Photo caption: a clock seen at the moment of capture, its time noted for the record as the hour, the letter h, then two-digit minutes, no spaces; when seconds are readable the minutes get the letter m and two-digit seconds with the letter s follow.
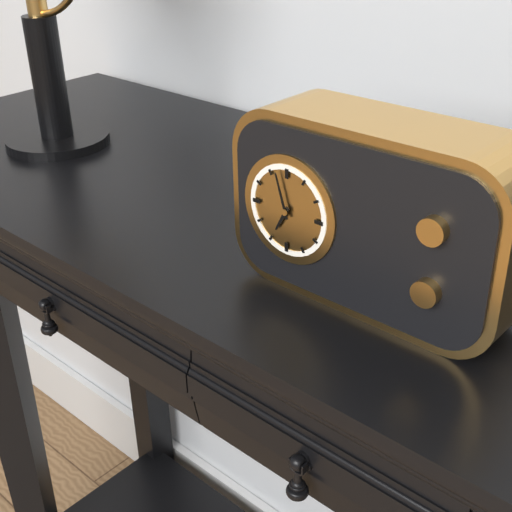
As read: 6h57
